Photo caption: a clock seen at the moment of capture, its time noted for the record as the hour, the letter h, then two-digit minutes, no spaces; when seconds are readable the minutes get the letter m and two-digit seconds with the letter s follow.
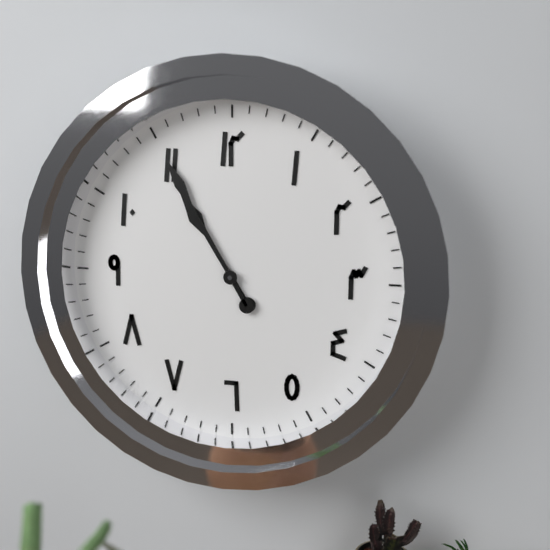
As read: 10h55
